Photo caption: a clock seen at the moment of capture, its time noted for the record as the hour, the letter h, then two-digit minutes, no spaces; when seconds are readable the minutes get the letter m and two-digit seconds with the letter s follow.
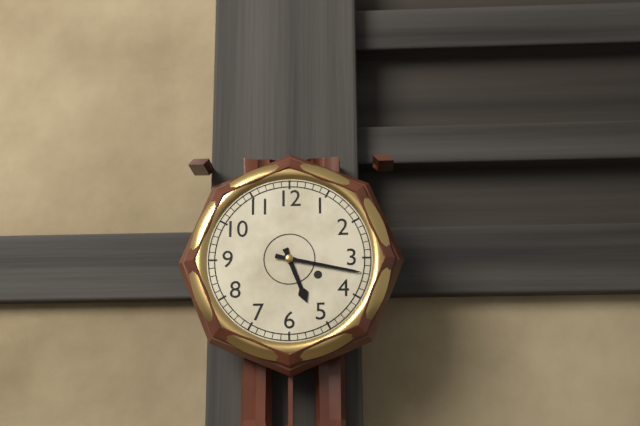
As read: 5h17
